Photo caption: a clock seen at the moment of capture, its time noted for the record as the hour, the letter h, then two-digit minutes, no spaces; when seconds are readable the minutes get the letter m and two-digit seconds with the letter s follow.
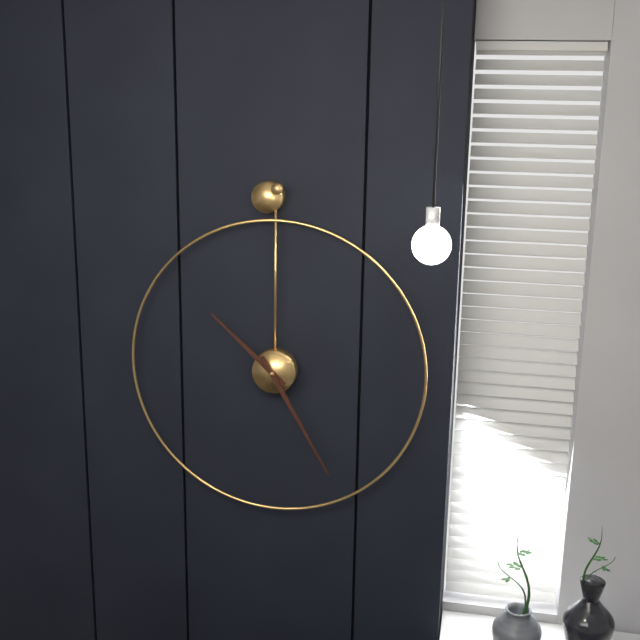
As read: 10h25
